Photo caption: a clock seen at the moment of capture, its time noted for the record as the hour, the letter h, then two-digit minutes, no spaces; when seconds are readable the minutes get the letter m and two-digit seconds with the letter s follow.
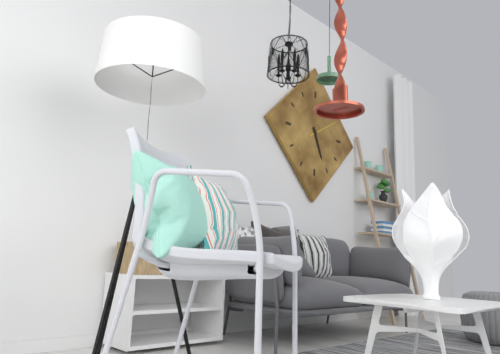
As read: 5h10
